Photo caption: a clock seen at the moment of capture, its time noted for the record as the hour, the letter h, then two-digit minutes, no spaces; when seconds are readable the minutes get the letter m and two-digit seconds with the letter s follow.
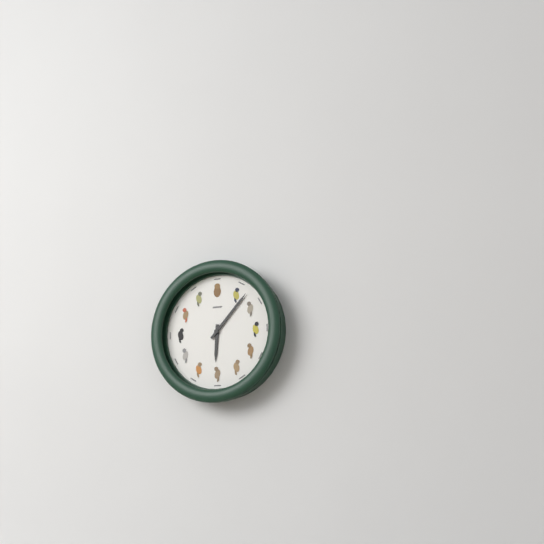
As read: 6h07
